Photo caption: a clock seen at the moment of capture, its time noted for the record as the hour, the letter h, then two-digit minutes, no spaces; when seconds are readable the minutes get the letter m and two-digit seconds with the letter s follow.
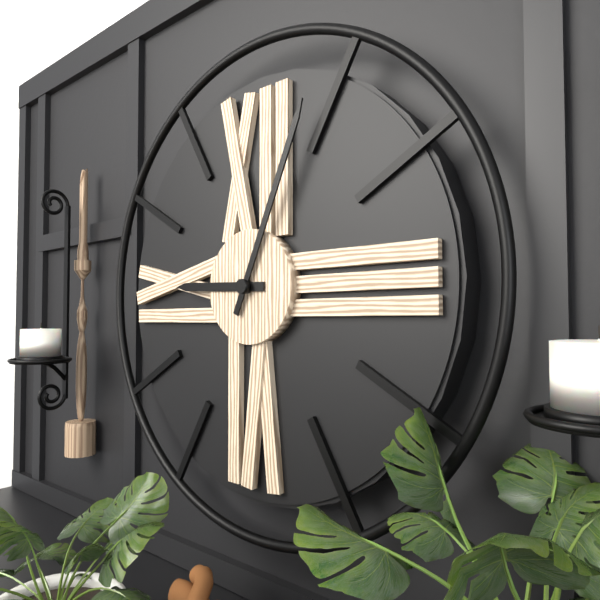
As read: 9h04
